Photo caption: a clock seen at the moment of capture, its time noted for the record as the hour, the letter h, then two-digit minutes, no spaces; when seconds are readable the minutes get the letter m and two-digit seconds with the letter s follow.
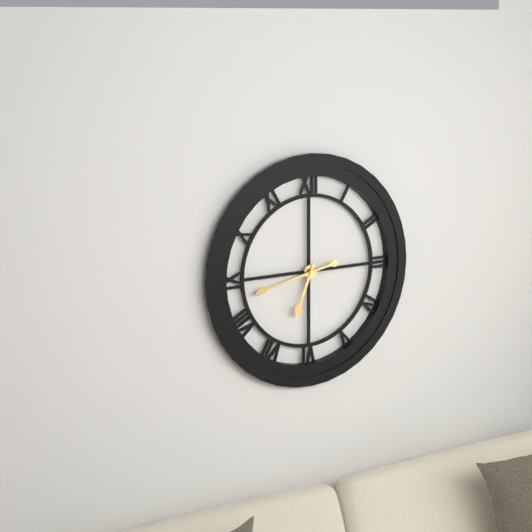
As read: 6h43
